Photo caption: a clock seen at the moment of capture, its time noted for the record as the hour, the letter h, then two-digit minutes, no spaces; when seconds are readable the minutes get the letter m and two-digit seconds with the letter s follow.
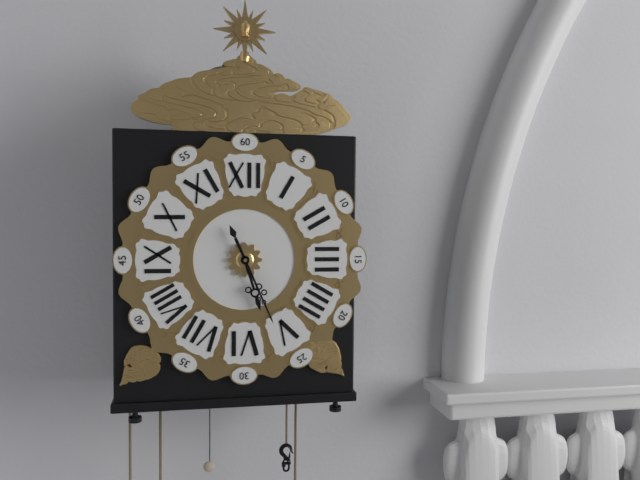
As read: 5h26
